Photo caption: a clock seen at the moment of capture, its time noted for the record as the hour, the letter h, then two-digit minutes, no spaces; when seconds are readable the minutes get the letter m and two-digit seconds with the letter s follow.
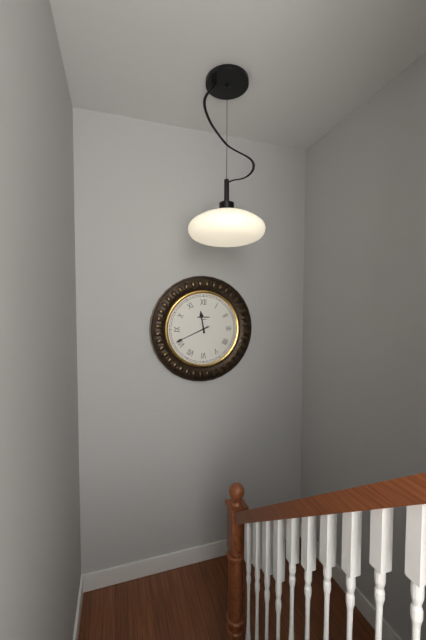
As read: 11h41
